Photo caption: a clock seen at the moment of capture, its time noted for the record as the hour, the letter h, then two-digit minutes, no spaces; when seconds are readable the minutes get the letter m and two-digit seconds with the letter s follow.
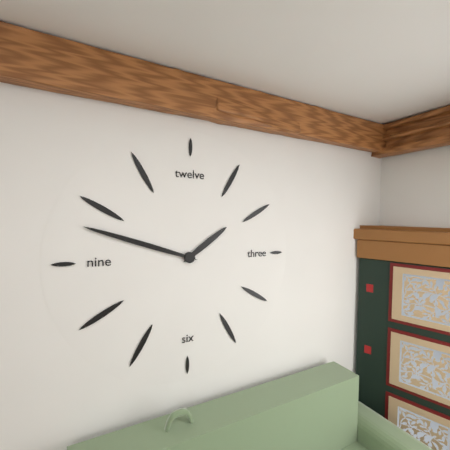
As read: 1h48
